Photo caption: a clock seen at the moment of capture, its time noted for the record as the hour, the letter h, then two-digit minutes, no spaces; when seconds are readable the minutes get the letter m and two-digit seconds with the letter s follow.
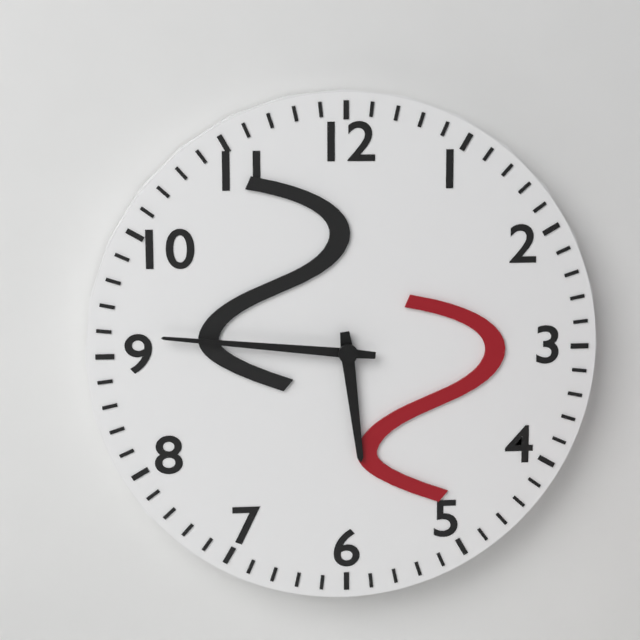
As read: 5h46
